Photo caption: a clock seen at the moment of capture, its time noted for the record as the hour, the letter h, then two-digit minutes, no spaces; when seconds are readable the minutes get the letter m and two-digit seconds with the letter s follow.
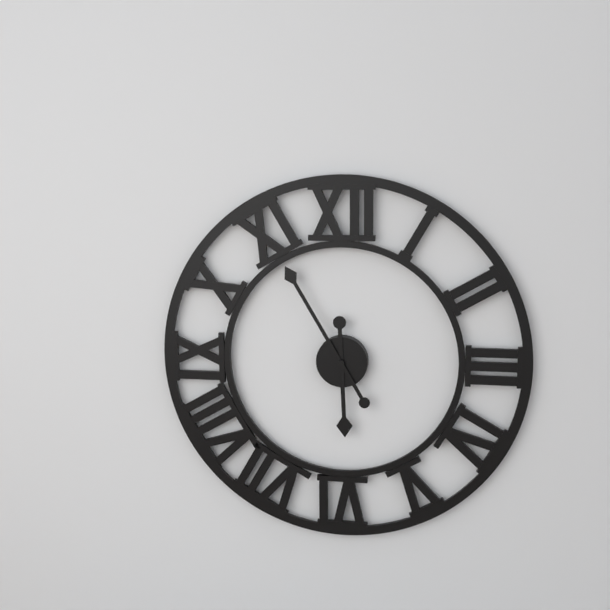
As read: 5h55
